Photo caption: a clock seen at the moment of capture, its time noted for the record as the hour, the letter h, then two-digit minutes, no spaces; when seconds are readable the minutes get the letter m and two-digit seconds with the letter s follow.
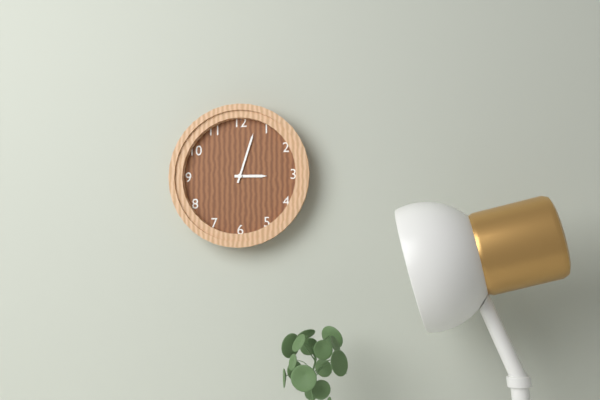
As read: 3h03
